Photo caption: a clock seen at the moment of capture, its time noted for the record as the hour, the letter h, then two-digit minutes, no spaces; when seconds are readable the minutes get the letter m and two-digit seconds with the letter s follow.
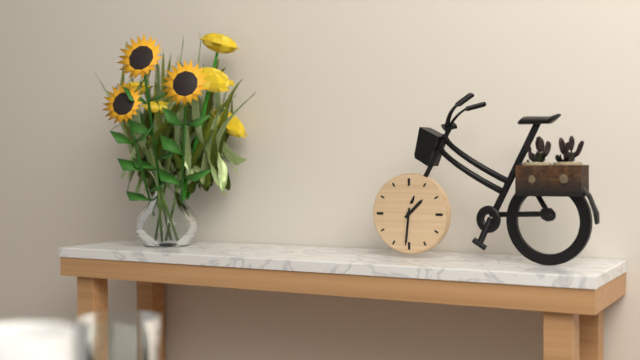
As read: 1h31
